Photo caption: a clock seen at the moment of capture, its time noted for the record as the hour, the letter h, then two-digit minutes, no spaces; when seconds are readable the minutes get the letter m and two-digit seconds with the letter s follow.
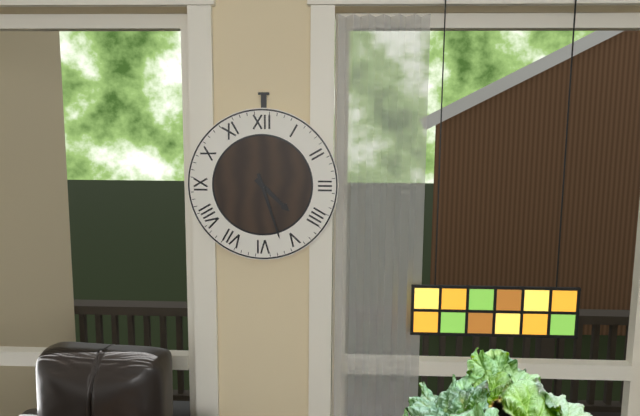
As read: 4h27
